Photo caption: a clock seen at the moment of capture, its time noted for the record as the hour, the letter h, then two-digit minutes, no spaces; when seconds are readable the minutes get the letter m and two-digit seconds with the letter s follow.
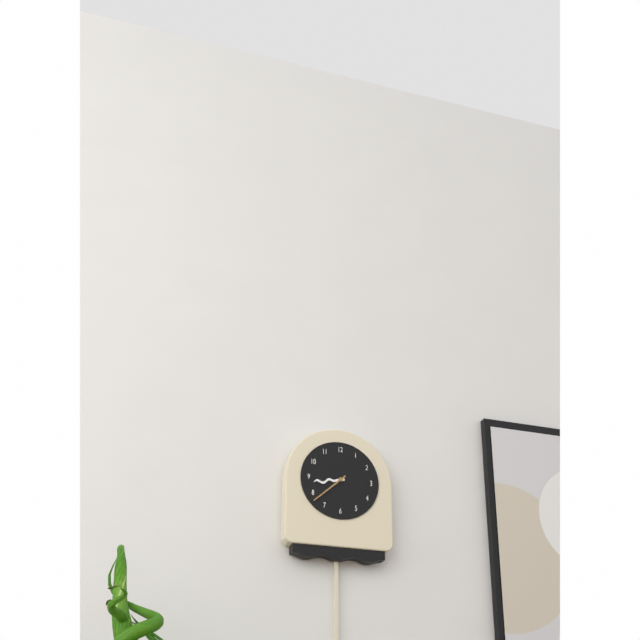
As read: 8h38
